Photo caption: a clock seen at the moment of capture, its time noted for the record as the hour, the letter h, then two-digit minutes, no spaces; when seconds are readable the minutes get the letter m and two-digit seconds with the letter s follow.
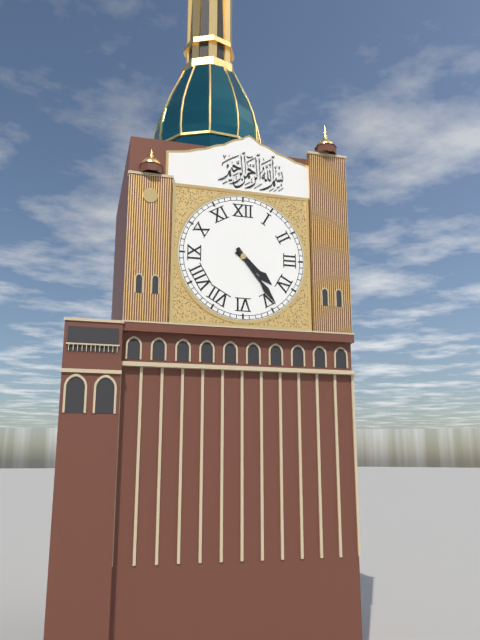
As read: 4h24
